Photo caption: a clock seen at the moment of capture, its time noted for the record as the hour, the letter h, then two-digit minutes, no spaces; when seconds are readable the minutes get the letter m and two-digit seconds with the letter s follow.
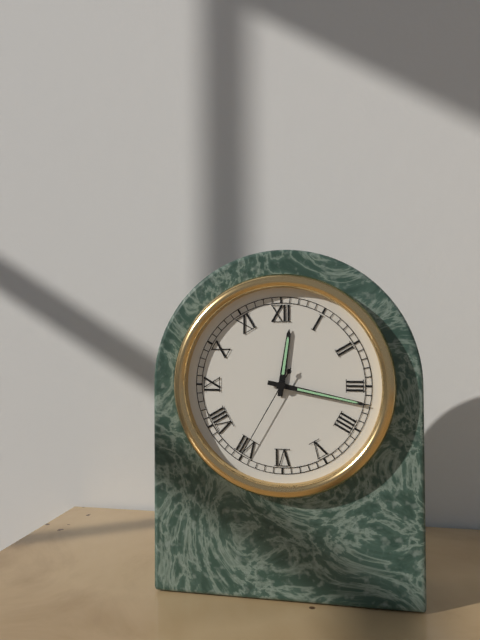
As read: 12h17m35s
